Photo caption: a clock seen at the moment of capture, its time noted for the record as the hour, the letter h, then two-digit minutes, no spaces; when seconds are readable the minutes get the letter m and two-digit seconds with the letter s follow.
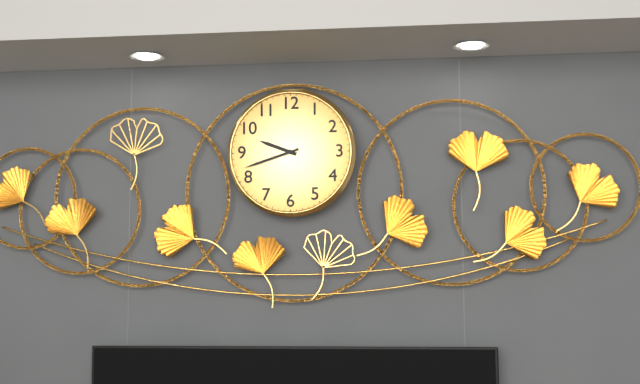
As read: 9h42
